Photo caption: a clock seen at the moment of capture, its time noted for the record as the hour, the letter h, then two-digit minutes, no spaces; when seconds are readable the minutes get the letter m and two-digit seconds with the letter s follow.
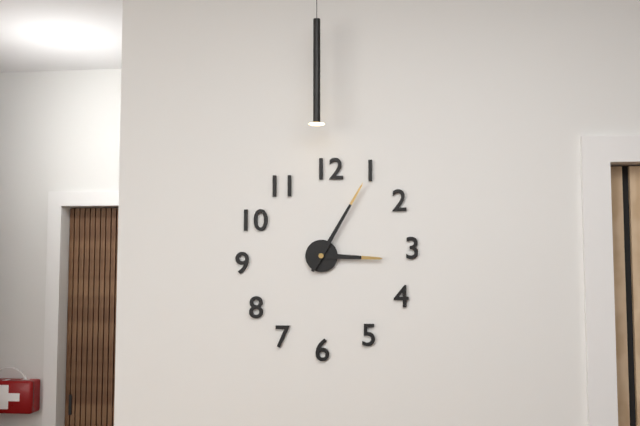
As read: 3h05
